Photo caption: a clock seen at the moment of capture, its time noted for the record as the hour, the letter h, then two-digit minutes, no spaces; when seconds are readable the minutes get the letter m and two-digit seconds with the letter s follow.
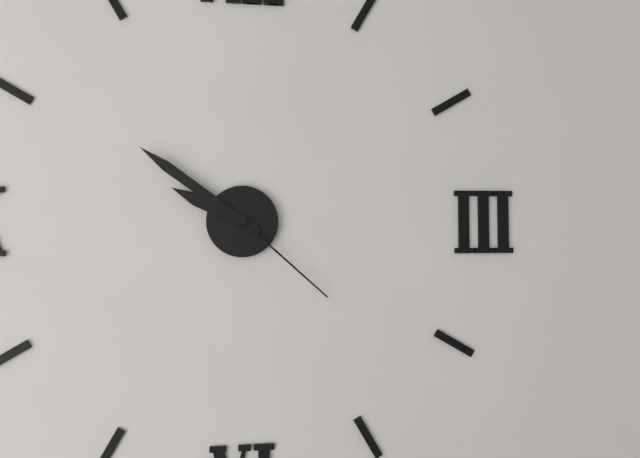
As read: 9h51m22s
